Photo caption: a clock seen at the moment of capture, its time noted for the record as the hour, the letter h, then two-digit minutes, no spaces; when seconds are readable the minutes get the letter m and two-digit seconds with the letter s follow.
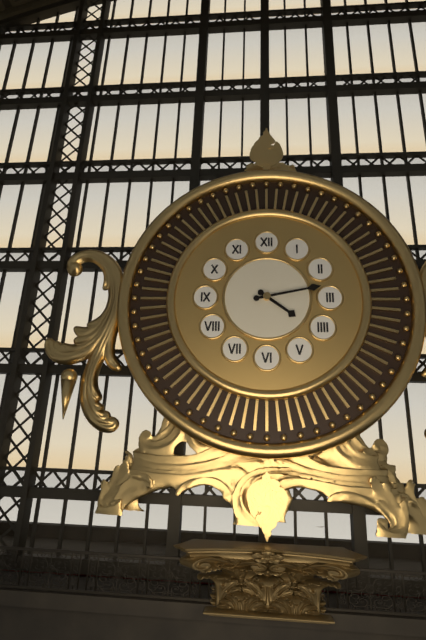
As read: 4h13
